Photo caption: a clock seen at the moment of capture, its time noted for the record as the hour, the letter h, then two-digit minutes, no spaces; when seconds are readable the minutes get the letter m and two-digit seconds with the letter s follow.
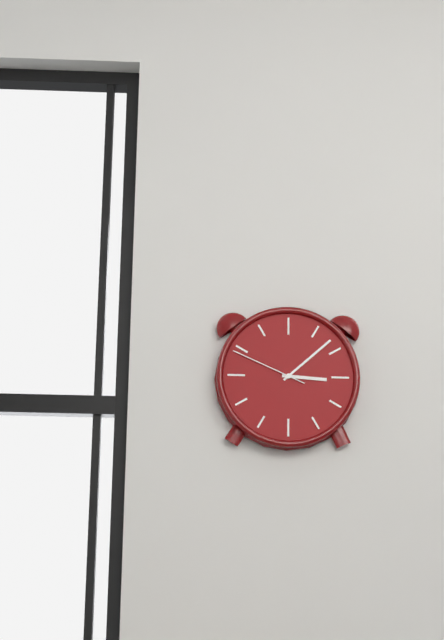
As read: 3h08m49s
